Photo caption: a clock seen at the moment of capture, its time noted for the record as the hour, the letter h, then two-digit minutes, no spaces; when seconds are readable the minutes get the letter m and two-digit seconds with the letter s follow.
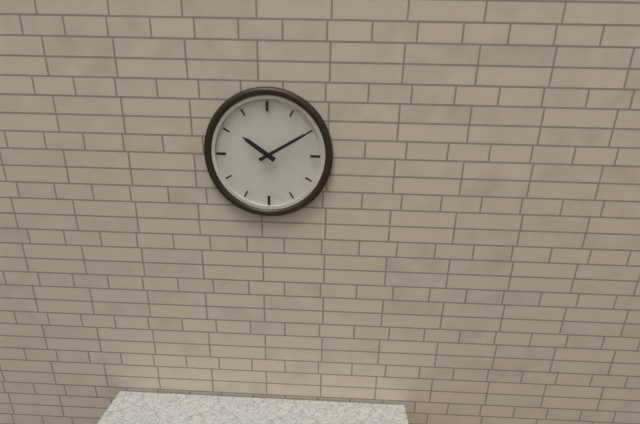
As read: 10h10
